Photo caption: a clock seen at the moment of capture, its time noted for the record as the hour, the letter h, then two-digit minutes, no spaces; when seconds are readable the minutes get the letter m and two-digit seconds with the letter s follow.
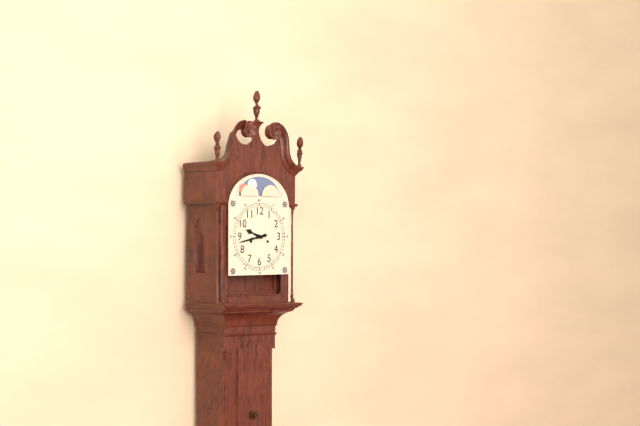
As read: 9h43
